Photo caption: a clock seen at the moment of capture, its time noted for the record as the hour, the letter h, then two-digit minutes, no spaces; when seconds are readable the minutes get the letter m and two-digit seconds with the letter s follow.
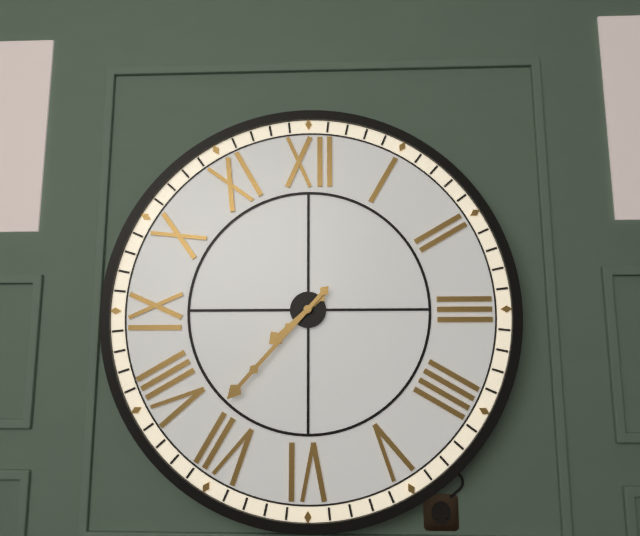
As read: 7h37
